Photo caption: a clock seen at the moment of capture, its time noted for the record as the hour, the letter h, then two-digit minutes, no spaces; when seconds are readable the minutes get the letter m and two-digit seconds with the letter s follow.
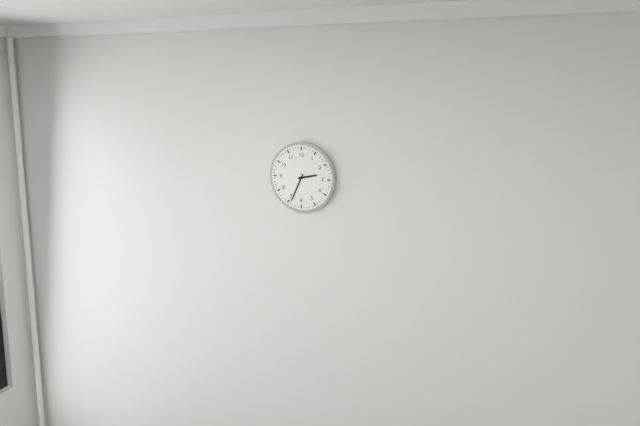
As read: 2h34
